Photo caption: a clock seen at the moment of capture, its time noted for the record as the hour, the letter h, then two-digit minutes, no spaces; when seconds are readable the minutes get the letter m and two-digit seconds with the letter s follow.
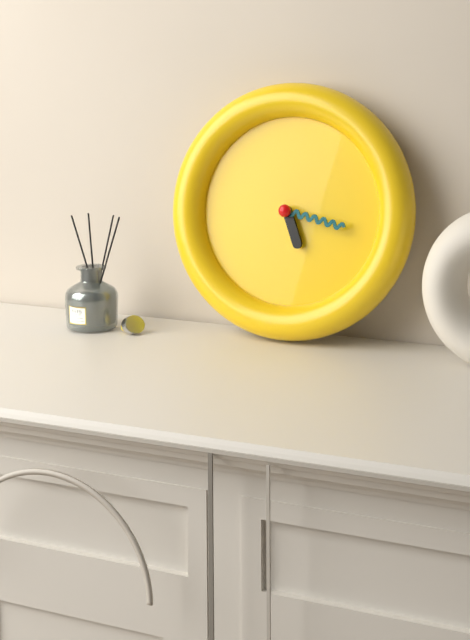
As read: 5h17
